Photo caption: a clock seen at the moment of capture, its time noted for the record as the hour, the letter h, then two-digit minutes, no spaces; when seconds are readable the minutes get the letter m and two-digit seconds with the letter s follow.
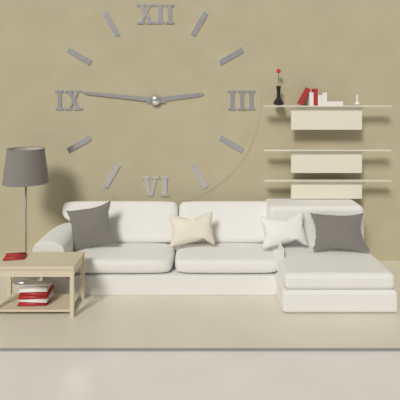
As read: 2h46
